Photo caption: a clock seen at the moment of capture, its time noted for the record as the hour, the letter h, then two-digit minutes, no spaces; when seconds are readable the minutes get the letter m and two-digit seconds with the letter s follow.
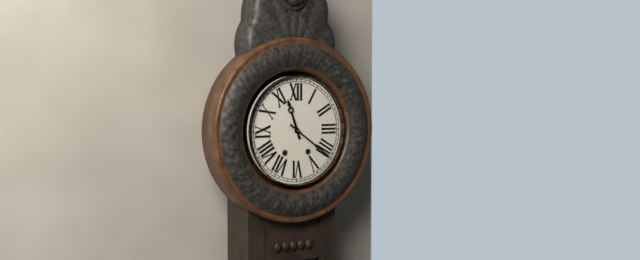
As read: 11h21
